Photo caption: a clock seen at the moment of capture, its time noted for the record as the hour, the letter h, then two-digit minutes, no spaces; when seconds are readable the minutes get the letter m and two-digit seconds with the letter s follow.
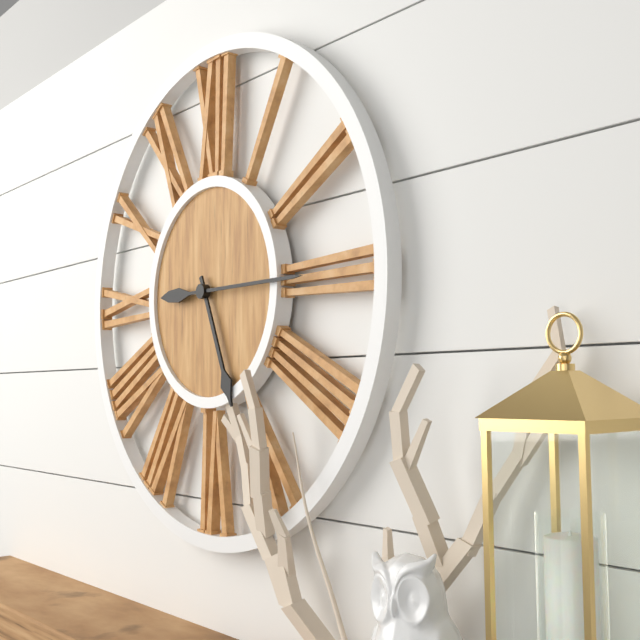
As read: 5h15
